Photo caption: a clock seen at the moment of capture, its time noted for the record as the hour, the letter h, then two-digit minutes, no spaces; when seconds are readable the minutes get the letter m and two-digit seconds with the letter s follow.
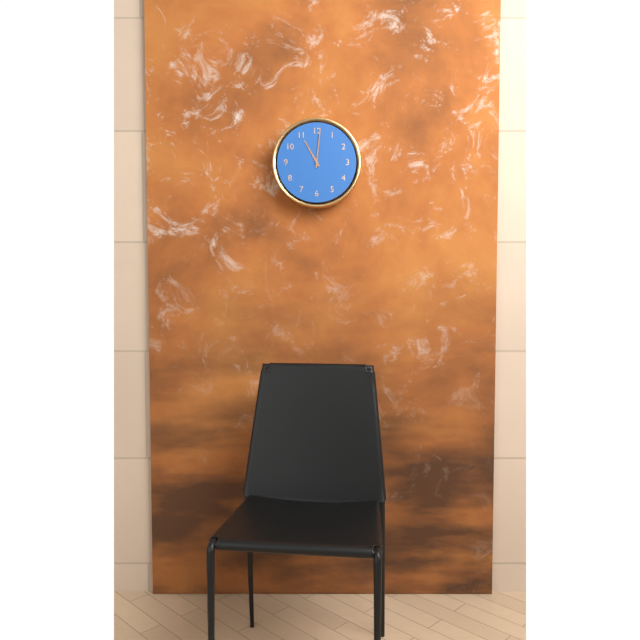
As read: 11h01
